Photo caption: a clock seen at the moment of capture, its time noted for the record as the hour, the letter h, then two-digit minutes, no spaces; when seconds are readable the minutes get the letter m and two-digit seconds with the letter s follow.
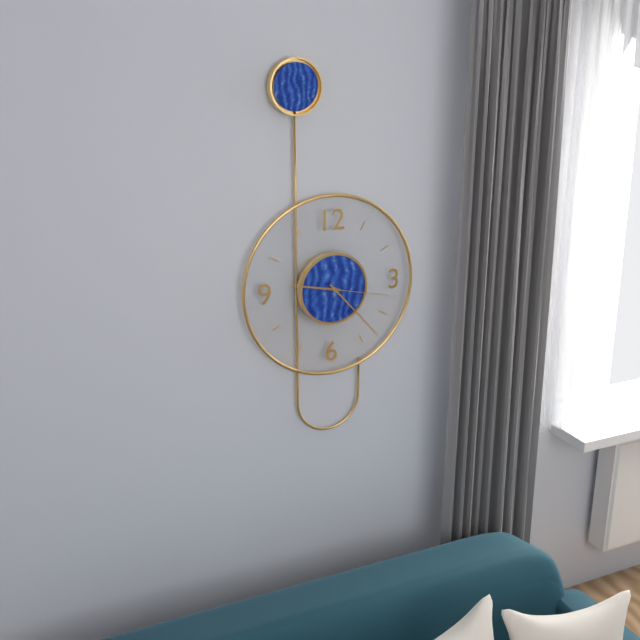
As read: 9h23m17s
